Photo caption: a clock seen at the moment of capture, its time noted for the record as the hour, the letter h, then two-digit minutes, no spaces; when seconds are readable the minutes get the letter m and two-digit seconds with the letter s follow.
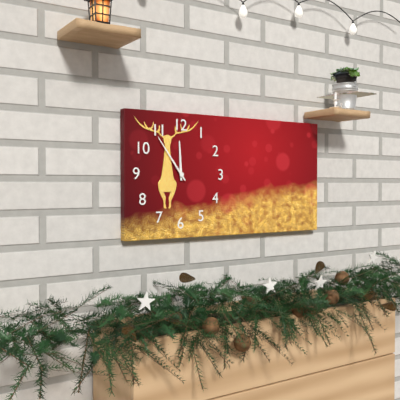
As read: 11h54
